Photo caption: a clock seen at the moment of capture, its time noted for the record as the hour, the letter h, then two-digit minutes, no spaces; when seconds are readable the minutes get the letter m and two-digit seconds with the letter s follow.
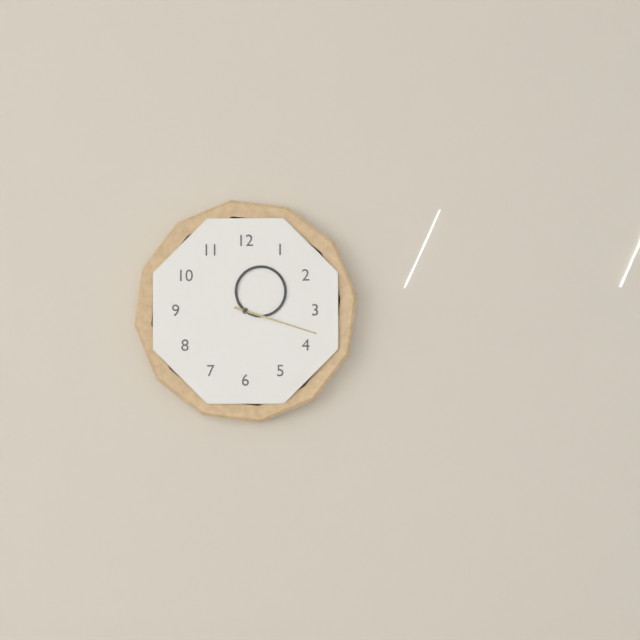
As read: 1h18
